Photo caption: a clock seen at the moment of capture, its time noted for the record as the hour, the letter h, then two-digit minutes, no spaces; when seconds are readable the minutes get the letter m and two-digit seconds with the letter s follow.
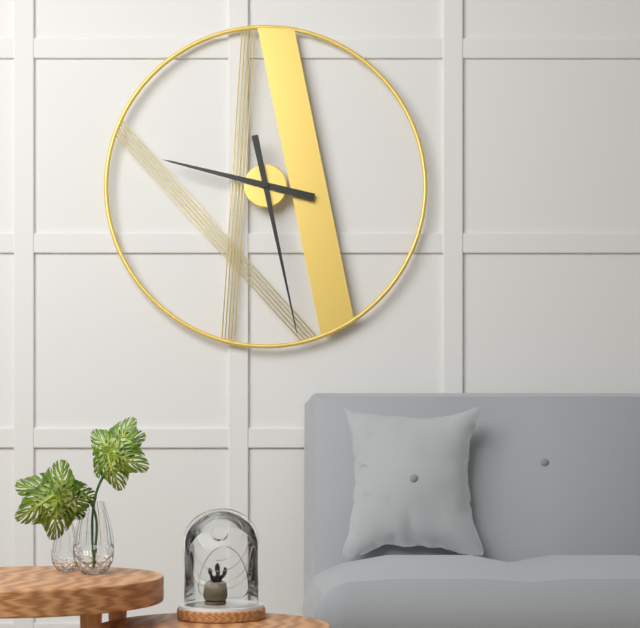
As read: 9h28
